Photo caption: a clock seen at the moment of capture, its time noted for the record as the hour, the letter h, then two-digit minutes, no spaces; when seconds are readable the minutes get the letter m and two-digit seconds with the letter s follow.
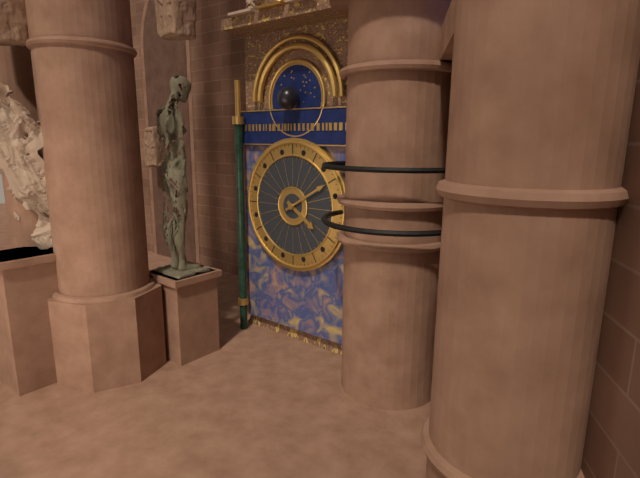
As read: 4h10
